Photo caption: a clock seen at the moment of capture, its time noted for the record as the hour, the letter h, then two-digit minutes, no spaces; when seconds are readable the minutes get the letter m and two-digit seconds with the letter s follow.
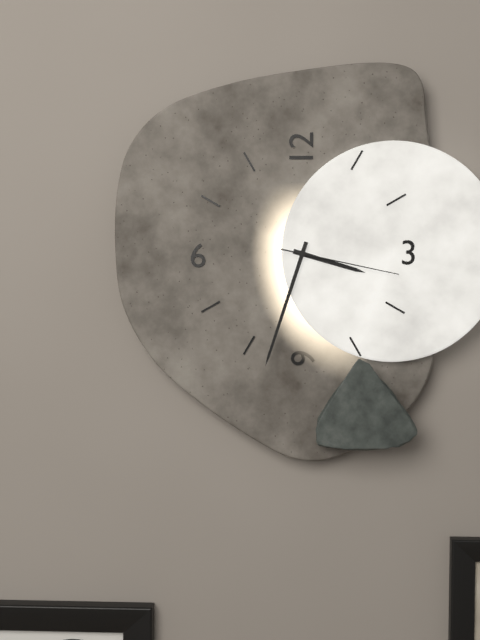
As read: 3h33m17s
